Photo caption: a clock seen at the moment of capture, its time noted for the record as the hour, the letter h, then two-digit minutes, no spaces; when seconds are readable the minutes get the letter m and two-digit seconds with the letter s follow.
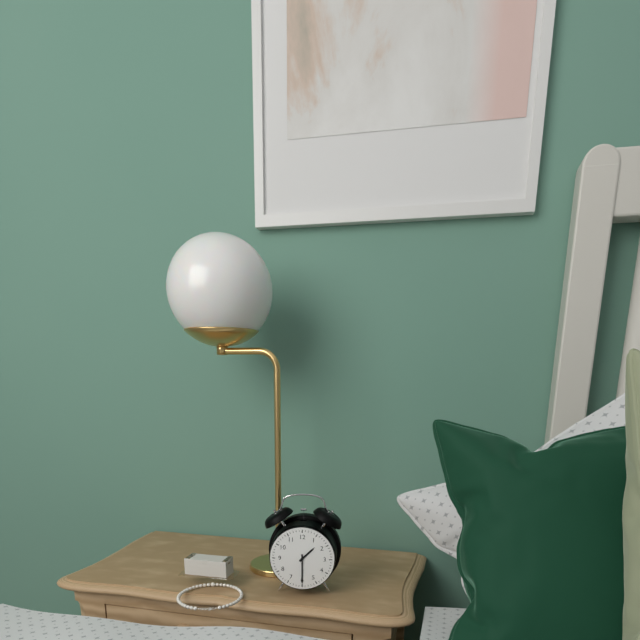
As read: 1h30
